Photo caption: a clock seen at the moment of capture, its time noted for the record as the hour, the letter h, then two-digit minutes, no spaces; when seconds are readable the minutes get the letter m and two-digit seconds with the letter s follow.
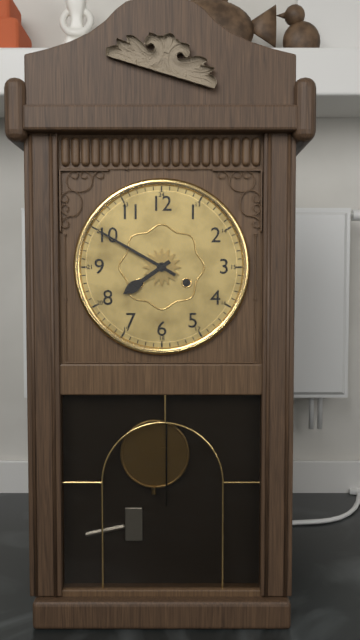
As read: 7h50
